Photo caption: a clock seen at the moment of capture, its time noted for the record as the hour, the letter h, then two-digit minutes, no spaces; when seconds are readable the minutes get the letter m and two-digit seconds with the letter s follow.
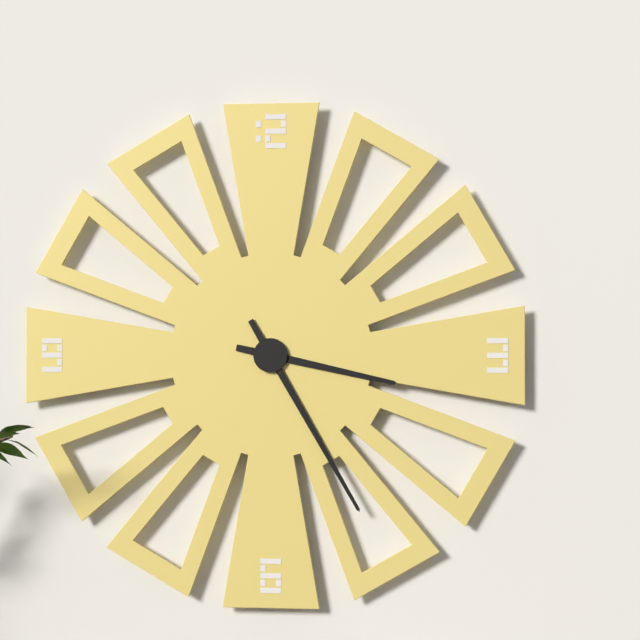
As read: 3h25
